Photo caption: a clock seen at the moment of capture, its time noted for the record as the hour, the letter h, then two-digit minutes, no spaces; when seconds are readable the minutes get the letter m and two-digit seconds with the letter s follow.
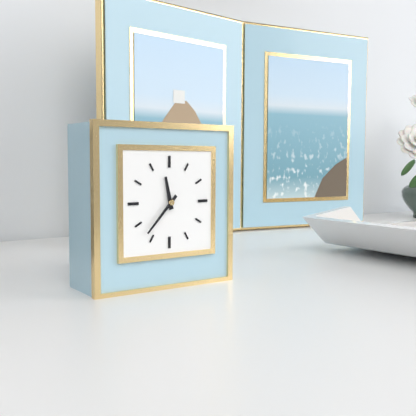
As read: 11h37
